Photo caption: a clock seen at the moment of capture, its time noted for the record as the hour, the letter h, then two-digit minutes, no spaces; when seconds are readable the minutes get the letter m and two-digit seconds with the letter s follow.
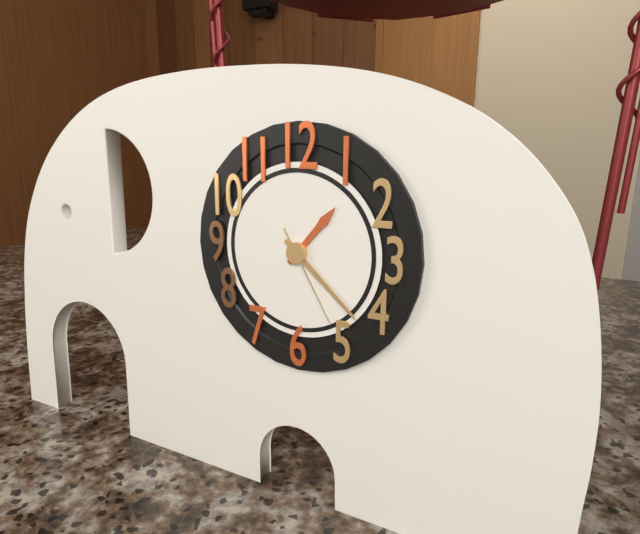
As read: 1h22m25s
